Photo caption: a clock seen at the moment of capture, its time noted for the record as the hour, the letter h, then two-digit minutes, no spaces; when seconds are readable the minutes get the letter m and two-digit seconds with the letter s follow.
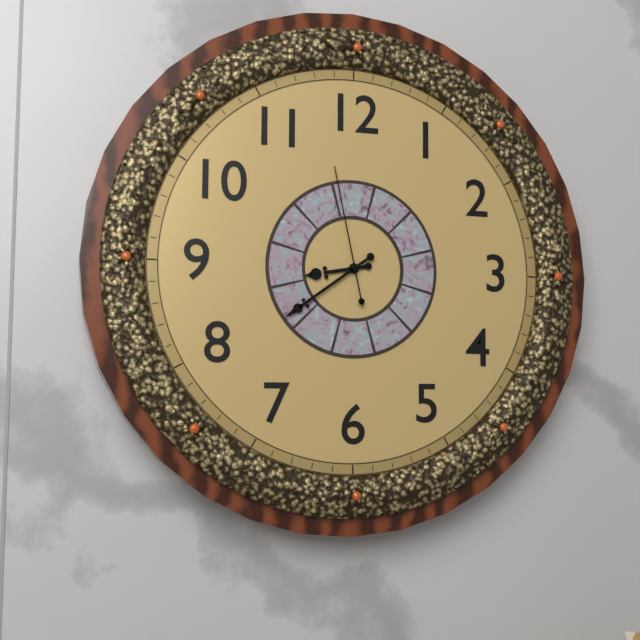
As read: 8h39m58s
